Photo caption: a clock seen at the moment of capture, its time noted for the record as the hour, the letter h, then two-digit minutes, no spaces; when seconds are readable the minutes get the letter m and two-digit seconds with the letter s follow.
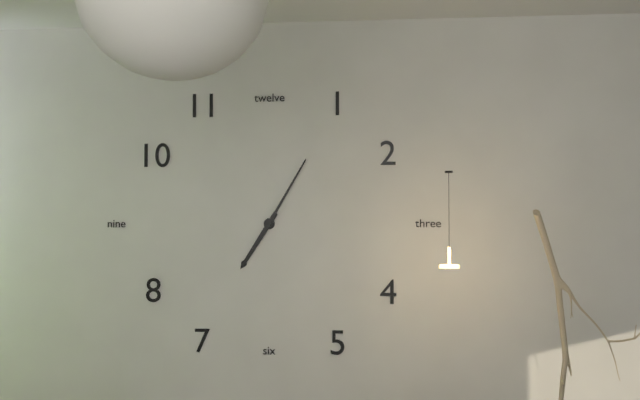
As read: 7h05
